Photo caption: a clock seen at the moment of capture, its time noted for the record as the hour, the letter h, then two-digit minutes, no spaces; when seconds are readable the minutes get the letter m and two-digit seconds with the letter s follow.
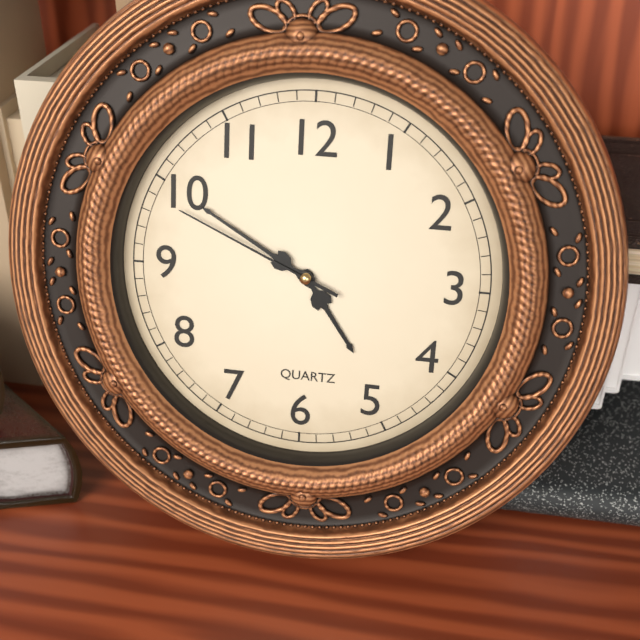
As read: 4h50m49s
